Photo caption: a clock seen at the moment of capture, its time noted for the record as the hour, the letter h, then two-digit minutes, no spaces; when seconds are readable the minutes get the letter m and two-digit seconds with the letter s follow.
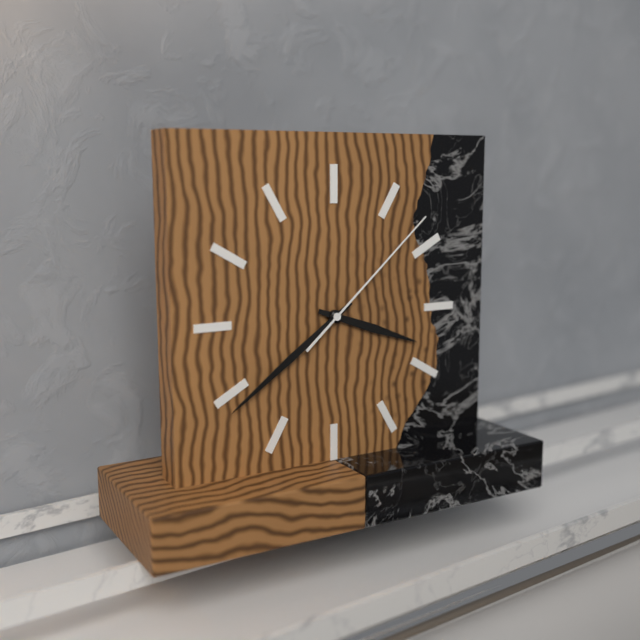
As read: 3h39m08s
